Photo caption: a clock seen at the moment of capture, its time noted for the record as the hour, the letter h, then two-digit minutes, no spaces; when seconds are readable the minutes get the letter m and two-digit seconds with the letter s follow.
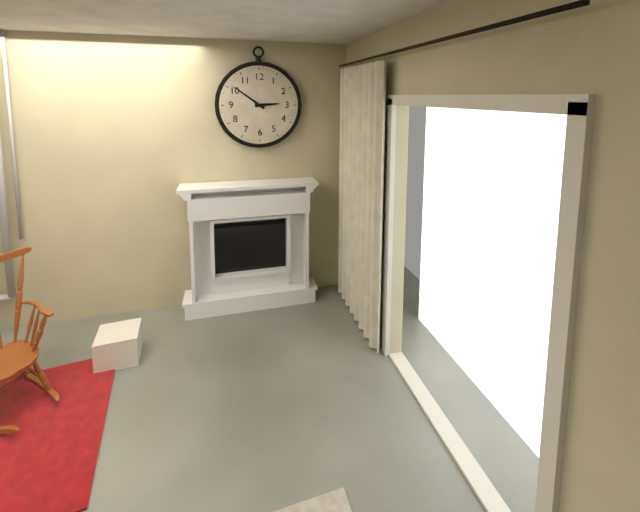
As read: 2h51
